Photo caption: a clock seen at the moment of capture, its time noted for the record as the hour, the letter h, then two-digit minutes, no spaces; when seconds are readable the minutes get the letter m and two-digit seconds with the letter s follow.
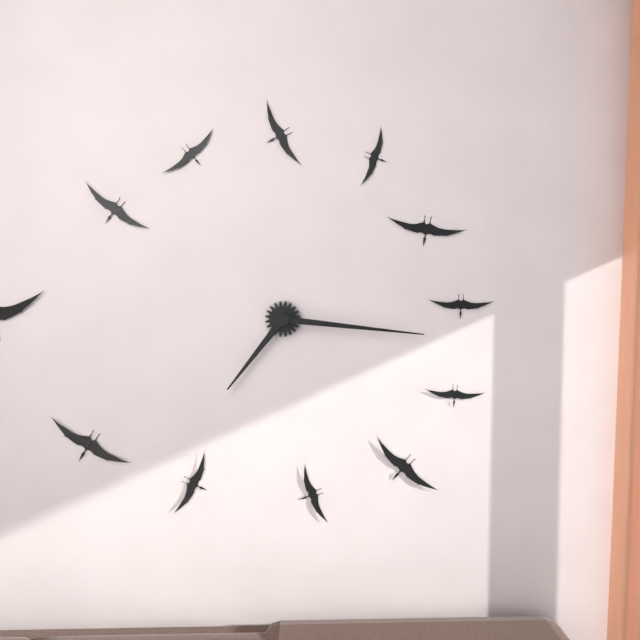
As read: 7h16
